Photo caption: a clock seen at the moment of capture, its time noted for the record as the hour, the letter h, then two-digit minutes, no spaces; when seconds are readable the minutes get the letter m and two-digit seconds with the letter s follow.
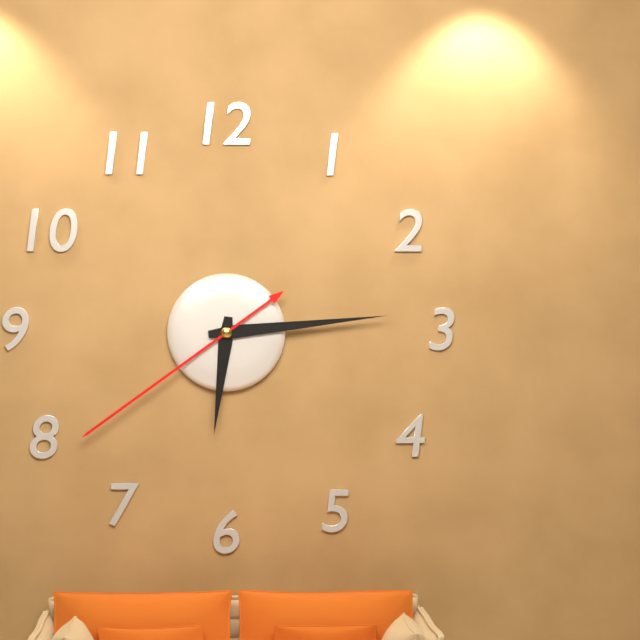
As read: 6h14m39s
